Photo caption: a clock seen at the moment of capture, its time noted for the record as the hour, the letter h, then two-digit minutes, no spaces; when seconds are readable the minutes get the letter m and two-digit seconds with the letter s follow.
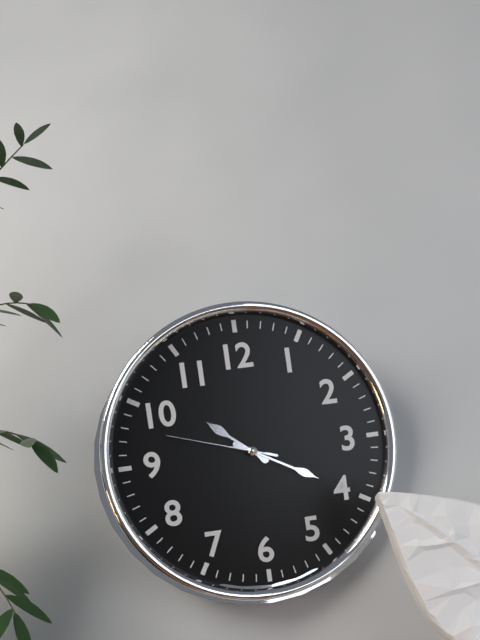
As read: 10h20m48s
